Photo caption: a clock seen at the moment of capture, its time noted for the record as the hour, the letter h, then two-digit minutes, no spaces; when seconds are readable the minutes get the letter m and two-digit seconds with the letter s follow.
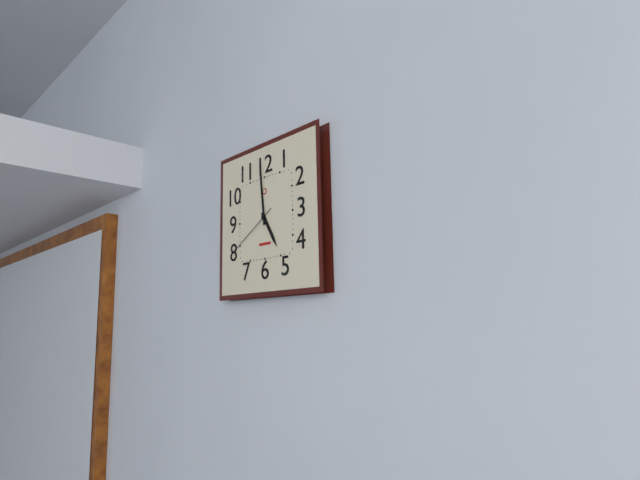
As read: 4h59m40s
